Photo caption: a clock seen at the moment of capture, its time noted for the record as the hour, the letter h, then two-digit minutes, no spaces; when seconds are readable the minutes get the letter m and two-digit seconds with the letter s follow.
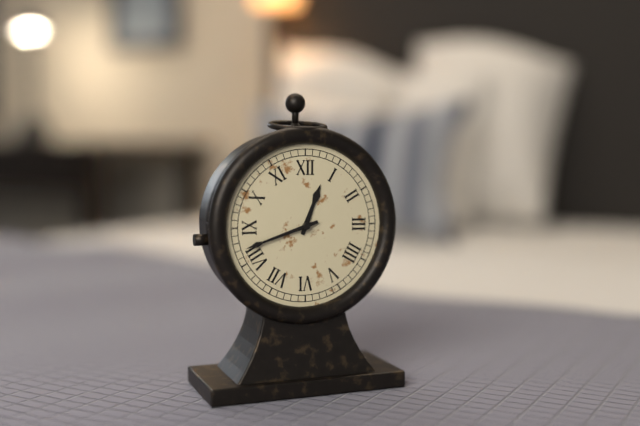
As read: 12h42
